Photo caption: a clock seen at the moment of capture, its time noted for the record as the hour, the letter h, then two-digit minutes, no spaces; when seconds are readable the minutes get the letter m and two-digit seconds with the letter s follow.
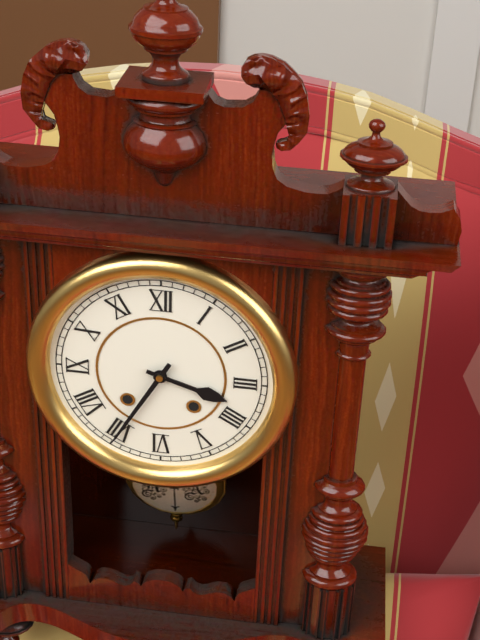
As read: 3h35
